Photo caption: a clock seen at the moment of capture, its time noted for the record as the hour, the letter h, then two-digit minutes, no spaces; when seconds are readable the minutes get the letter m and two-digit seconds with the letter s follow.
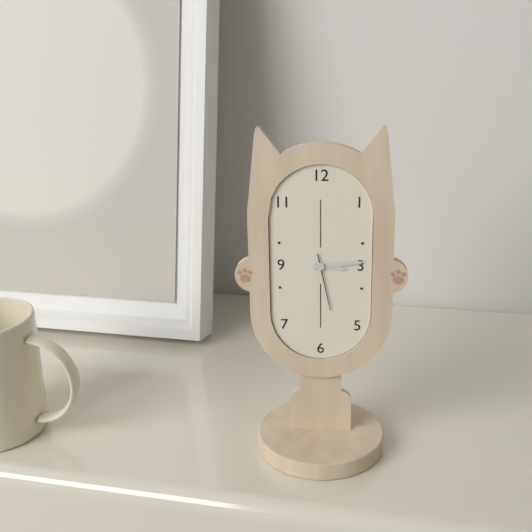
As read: 3h14m28s
